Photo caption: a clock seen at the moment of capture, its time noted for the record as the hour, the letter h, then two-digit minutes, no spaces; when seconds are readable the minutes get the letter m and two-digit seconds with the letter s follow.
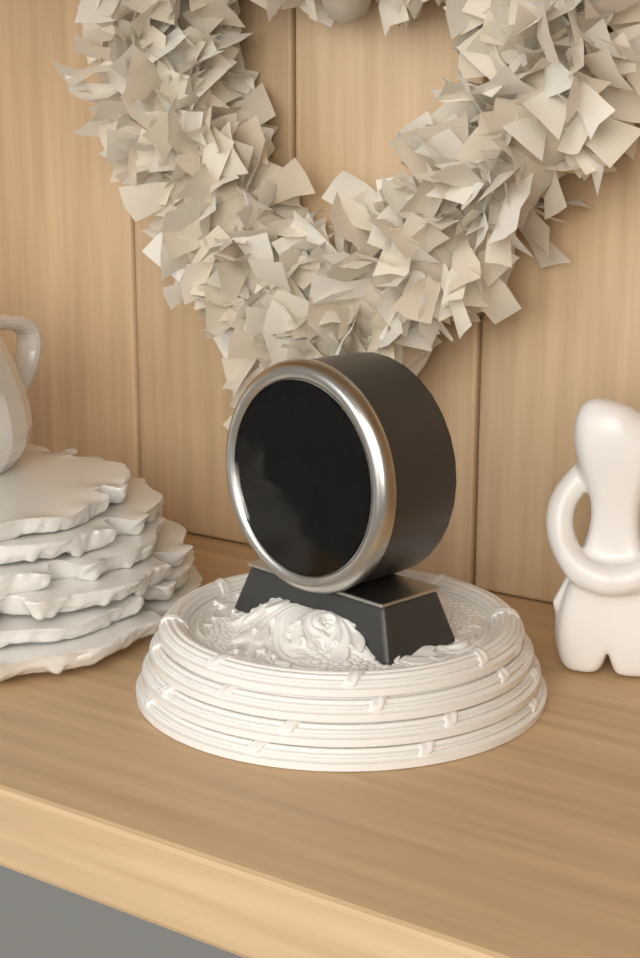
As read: 3h22
